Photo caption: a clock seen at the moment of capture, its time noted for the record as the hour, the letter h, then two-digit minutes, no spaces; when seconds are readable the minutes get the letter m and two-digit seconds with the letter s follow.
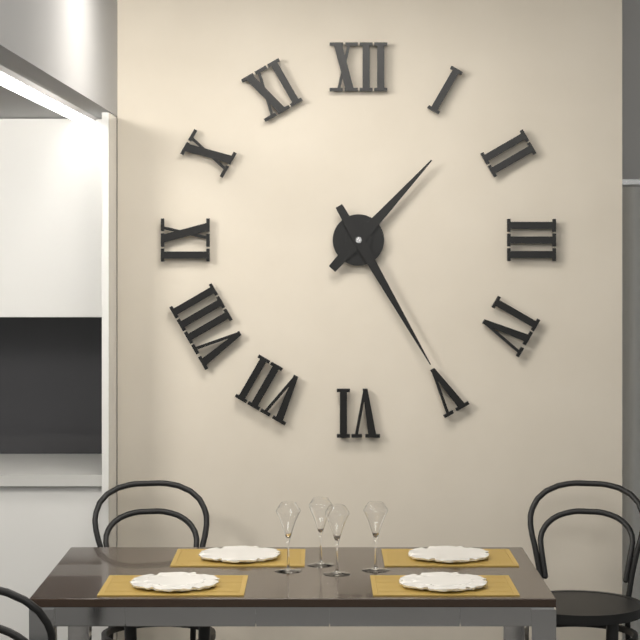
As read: 1h25
